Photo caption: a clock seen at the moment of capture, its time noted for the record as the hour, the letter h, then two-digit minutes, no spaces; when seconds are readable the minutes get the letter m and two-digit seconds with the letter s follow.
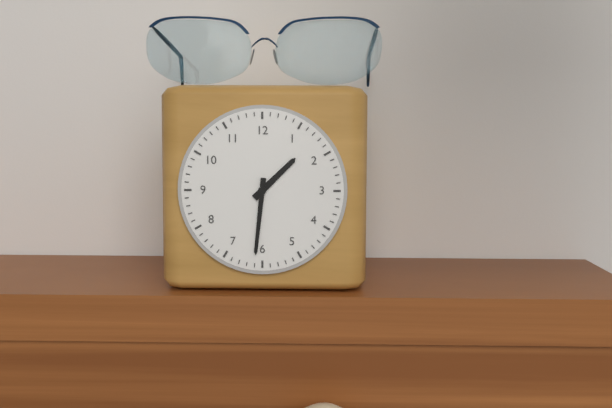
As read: 1h31
